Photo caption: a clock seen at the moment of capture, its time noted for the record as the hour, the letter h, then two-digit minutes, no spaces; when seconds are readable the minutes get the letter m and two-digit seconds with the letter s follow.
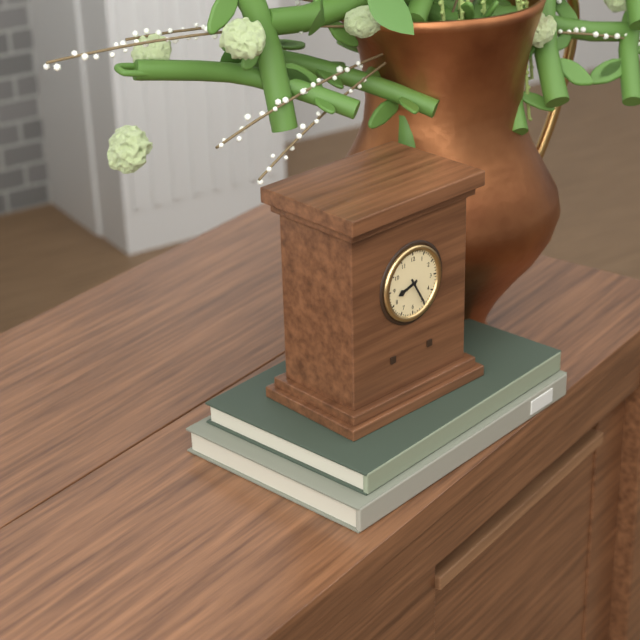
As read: 8h25
